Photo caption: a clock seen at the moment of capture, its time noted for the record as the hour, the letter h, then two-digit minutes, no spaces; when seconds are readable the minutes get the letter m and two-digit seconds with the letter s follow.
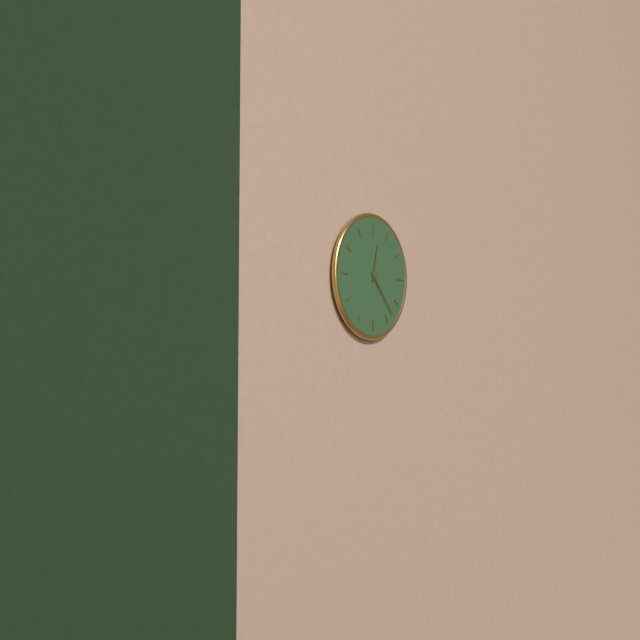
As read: 12h23
